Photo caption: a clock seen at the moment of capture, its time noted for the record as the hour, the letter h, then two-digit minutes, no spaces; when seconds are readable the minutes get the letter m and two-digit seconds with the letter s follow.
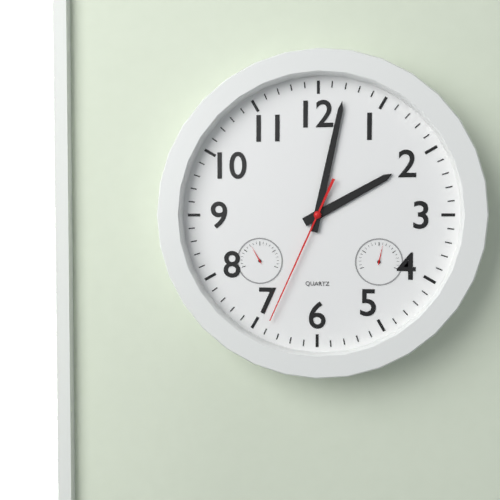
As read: 2h02m34s
